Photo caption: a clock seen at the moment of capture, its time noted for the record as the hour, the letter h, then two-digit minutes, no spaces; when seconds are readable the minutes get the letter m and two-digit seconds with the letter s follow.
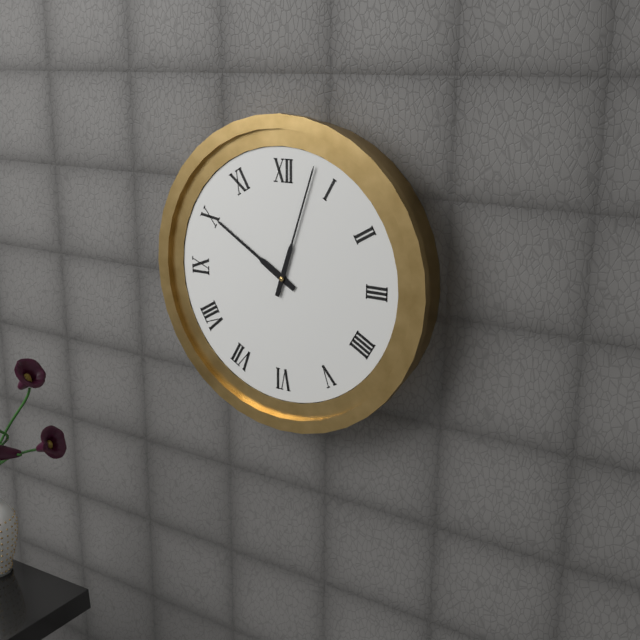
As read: 10h03
